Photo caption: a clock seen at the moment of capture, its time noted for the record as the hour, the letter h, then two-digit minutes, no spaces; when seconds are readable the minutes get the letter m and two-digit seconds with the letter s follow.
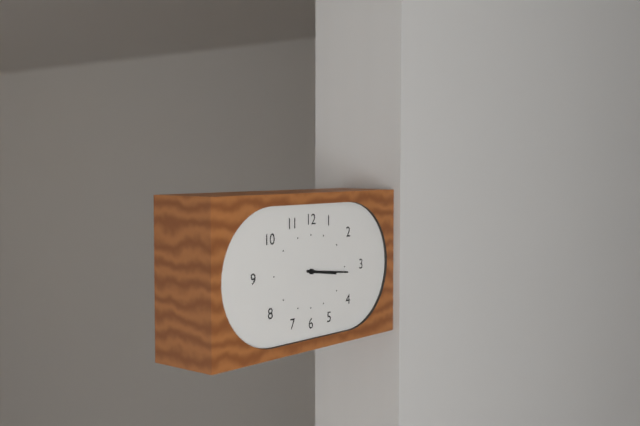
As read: 3h16
